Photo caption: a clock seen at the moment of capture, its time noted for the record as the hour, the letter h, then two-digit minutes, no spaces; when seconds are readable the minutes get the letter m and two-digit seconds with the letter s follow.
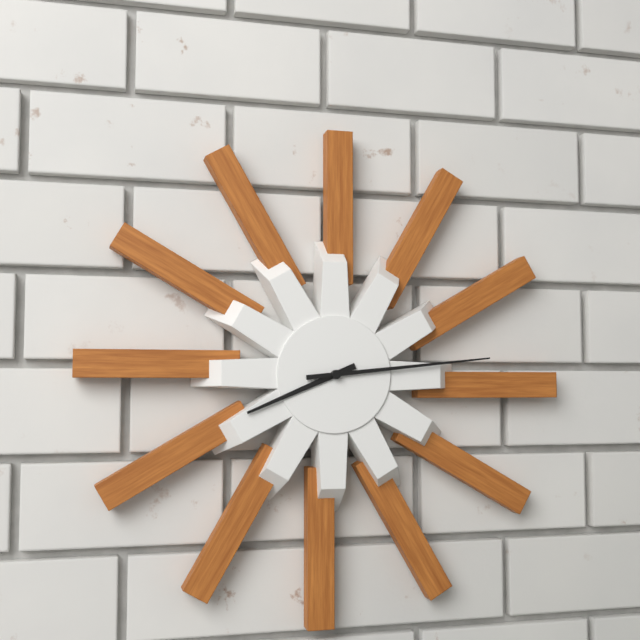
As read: 8h14
